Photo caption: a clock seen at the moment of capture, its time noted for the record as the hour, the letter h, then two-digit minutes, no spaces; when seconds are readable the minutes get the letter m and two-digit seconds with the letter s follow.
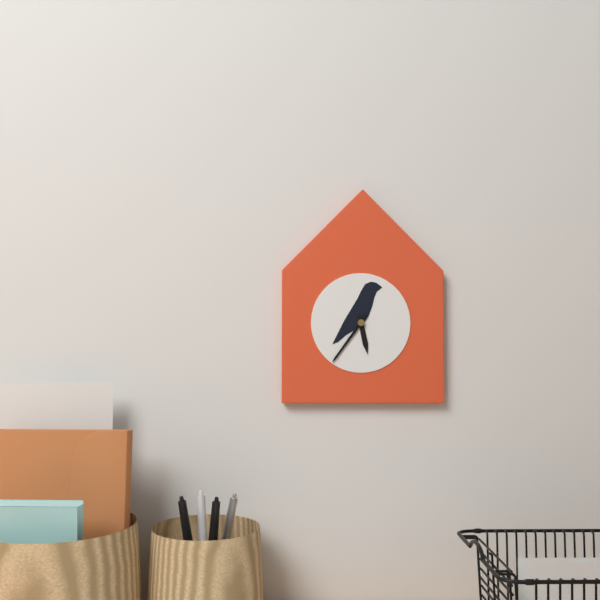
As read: 5h36
